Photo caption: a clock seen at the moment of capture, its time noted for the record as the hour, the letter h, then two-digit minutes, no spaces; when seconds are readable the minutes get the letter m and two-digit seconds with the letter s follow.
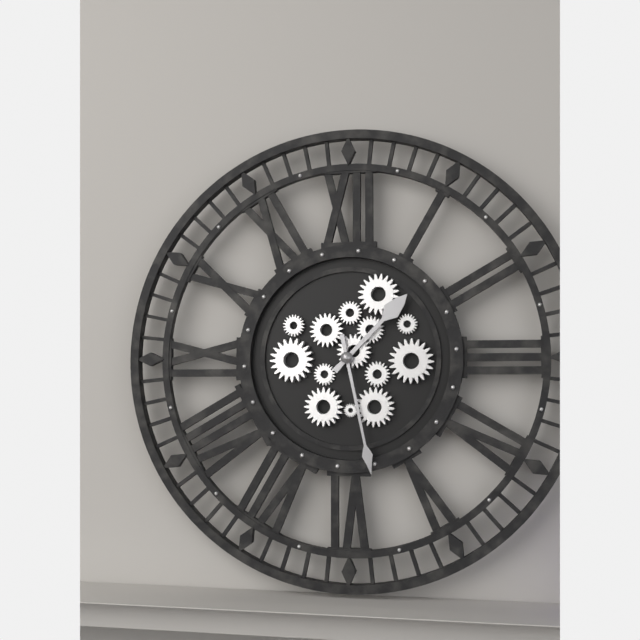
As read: 1h28
